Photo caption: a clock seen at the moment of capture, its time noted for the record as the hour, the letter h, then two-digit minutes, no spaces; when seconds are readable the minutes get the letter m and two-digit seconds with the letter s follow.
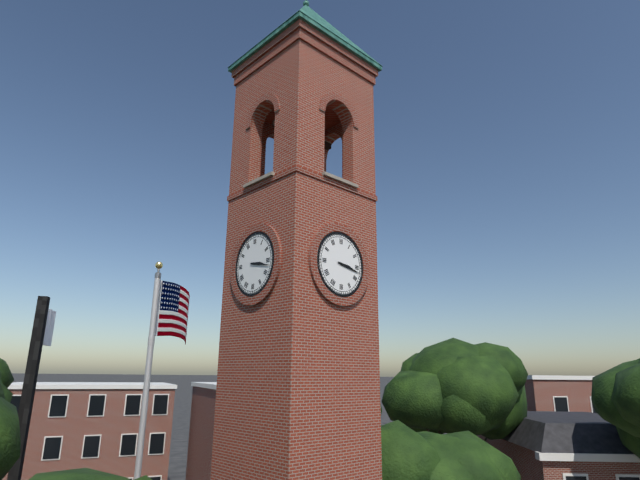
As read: 3h17
